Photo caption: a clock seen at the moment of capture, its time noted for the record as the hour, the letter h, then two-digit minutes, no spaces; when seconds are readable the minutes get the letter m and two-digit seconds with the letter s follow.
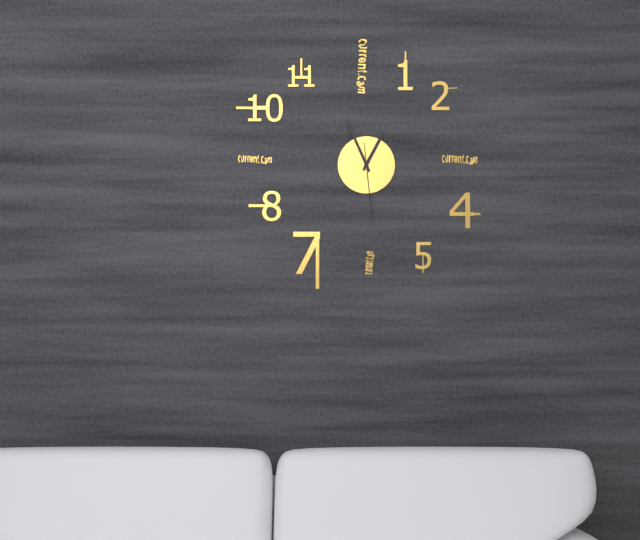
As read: 12h56m29s
